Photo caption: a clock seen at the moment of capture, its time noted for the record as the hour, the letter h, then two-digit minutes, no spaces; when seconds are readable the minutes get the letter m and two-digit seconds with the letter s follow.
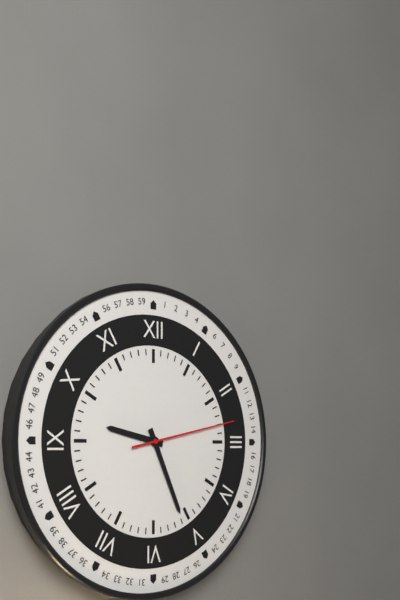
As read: 9h26m13s
